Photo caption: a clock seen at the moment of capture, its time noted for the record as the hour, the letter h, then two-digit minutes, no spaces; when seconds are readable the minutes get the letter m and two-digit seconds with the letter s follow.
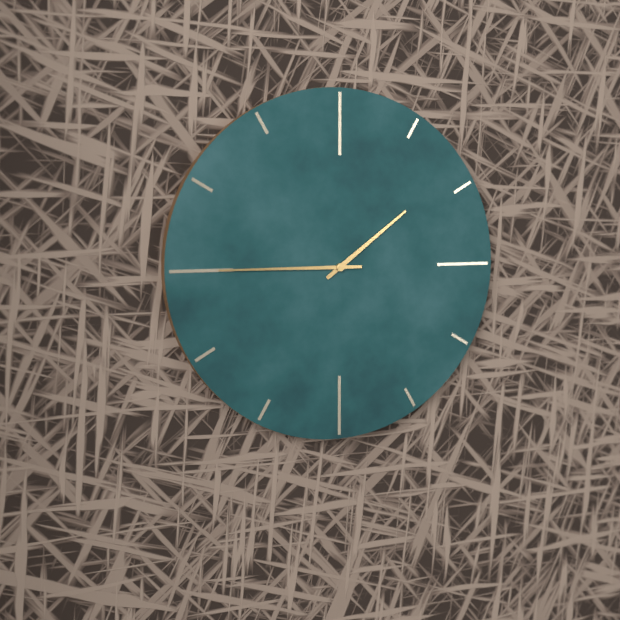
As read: 1h45
